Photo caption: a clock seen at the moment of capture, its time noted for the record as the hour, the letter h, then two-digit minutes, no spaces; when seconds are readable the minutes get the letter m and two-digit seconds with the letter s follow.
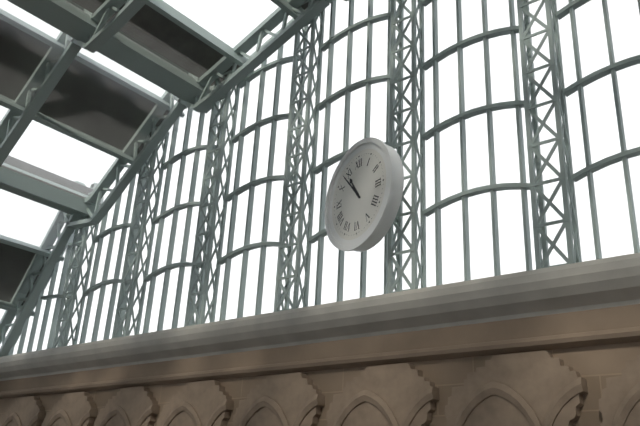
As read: 10h53
